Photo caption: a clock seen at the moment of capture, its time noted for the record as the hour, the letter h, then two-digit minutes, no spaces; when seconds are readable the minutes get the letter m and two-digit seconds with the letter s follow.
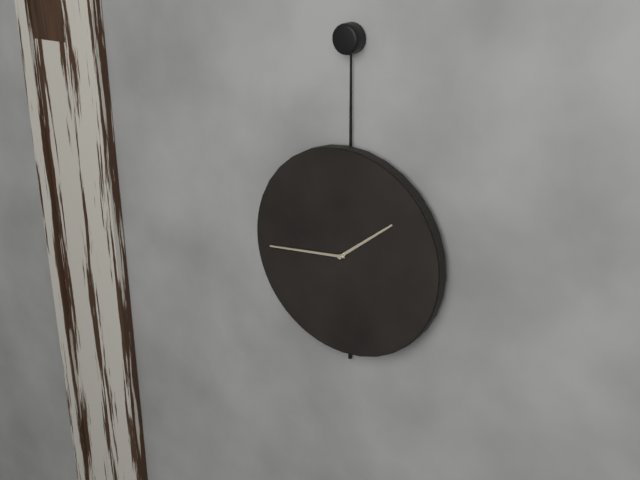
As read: 1h44
